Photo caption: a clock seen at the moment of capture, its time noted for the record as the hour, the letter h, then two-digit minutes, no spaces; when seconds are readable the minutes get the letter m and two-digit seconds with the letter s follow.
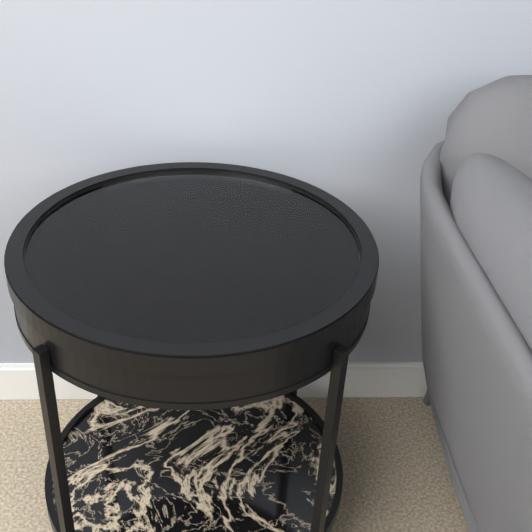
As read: 5h41
